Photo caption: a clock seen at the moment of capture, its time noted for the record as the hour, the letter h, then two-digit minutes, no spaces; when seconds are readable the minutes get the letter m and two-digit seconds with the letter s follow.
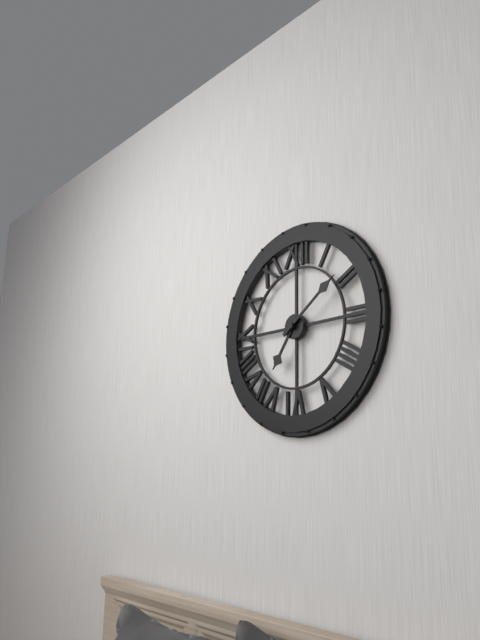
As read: 7h09
